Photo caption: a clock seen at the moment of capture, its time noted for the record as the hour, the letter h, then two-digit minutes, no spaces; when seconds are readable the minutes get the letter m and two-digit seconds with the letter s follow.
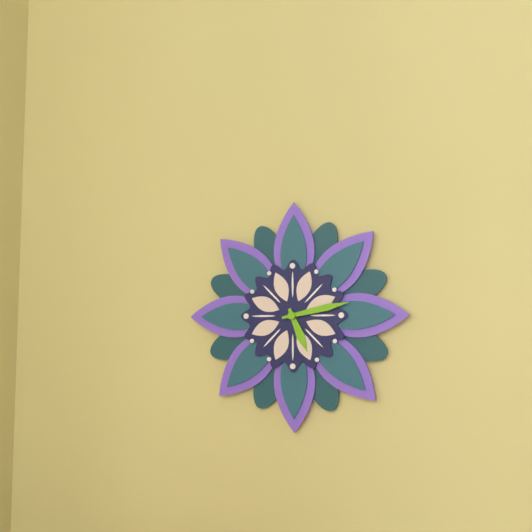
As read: 5h13
